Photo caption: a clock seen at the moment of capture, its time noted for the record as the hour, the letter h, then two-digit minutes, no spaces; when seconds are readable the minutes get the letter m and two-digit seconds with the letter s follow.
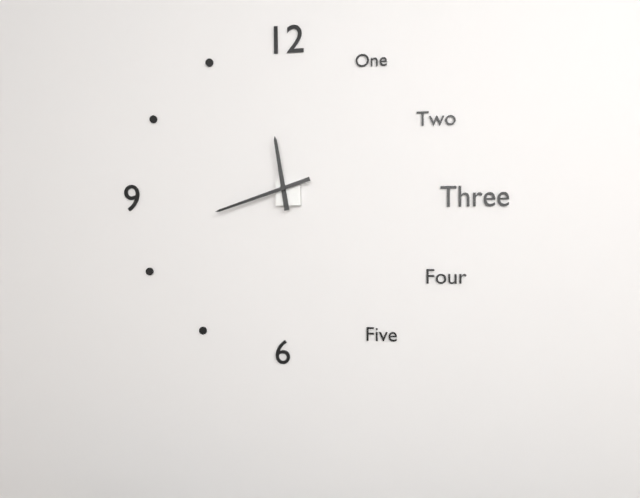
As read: 11h42
